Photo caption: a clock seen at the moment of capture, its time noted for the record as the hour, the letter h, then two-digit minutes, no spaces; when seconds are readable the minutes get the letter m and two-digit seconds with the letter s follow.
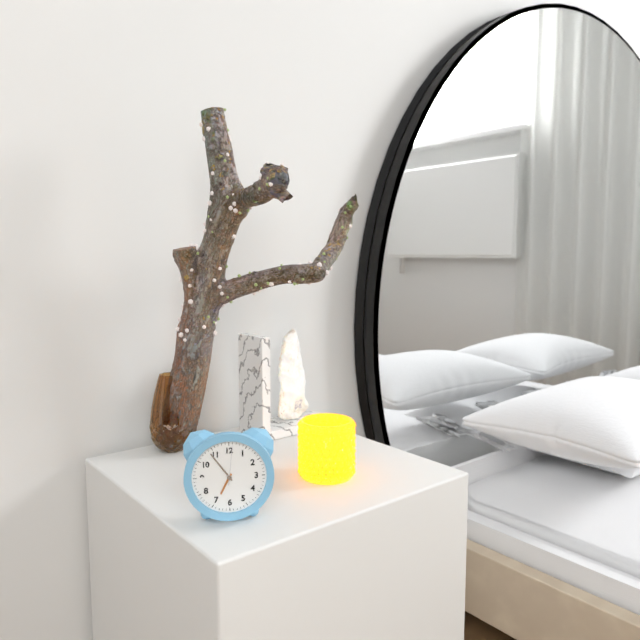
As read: 6h54
